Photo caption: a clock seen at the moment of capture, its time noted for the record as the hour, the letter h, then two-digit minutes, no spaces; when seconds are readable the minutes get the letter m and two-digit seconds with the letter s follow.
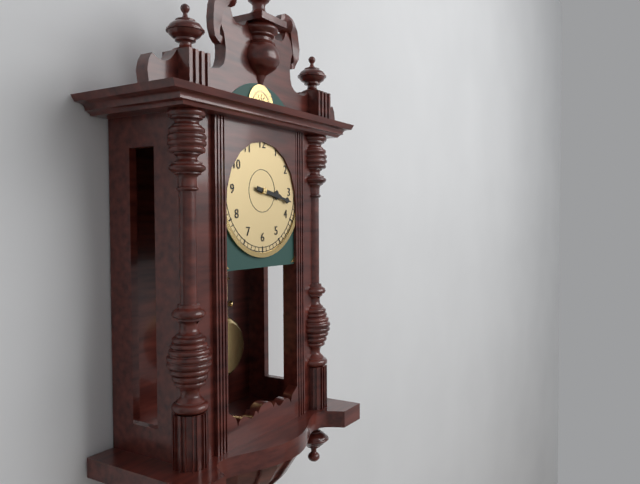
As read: 3h17
